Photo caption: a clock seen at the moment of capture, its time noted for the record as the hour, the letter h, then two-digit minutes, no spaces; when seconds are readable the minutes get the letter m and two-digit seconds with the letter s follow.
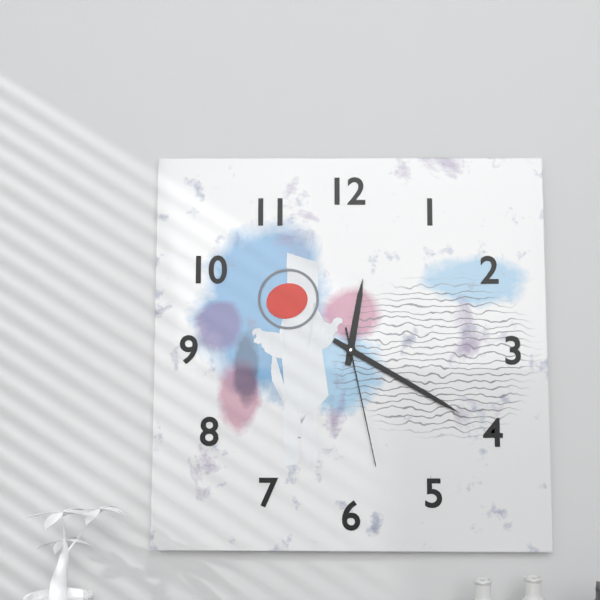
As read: 12h20m28s
